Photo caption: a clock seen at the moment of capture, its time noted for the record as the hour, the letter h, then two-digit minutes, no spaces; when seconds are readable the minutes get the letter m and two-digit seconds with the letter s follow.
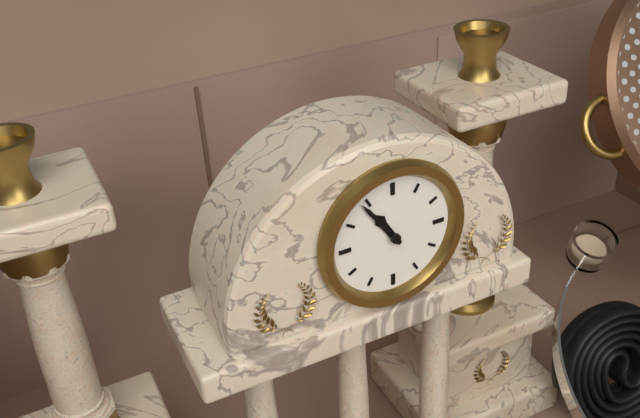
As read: 10h54
